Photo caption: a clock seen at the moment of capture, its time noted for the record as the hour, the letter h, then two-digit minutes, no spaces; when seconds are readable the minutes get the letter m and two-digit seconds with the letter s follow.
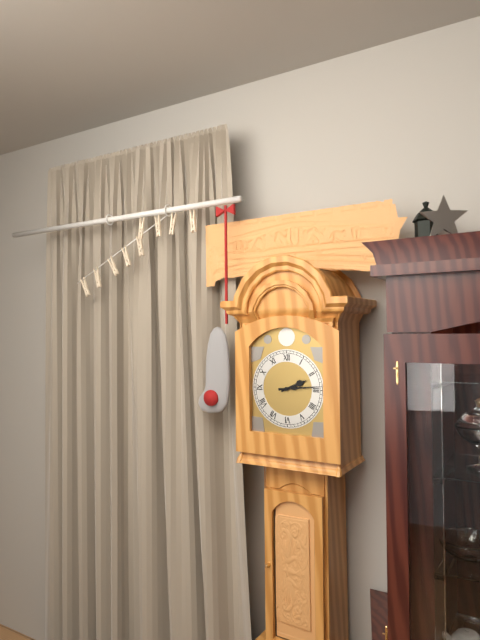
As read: 2h14
